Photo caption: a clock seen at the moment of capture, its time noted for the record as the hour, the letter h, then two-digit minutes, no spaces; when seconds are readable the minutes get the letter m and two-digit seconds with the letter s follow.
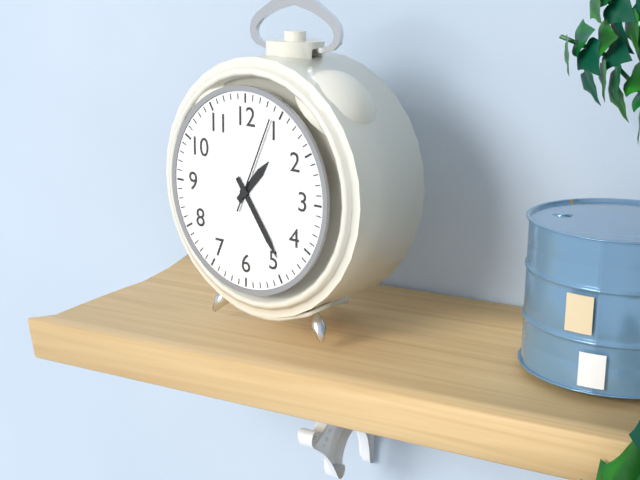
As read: 1h24m04s
